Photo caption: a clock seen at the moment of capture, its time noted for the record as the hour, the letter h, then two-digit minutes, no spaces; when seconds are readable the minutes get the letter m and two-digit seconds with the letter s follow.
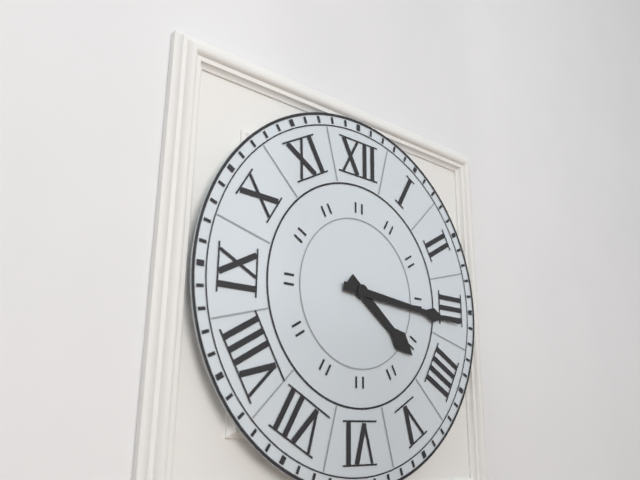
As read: 4h16
